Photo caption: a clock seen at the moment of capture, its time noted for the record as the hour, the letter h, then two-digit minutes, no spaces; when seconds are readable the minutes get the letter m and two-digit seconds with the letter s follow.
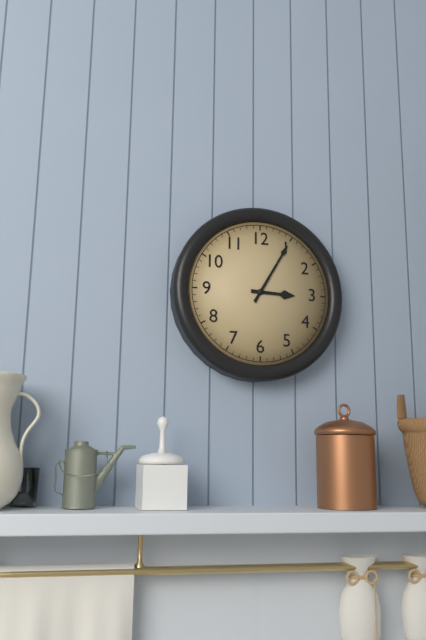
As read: 3h05
